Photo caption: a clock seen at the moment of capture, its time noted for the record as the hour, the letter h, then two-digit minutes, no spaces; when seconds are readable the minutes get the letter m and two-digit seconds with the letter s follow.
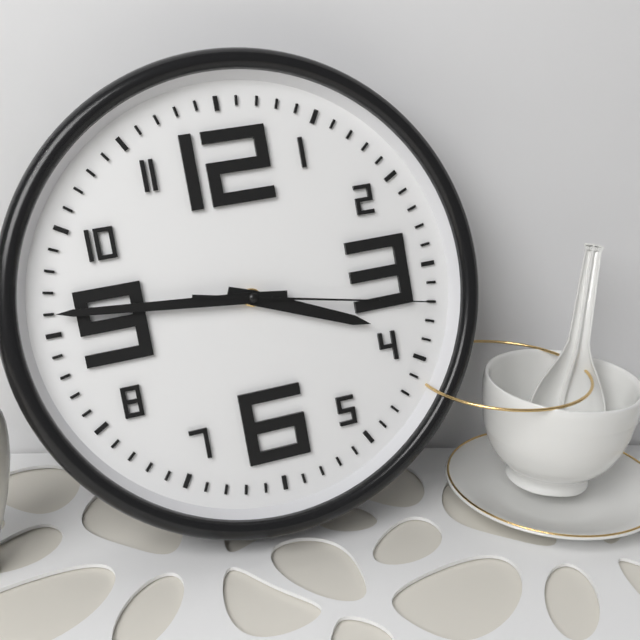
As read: 3h46m17s
